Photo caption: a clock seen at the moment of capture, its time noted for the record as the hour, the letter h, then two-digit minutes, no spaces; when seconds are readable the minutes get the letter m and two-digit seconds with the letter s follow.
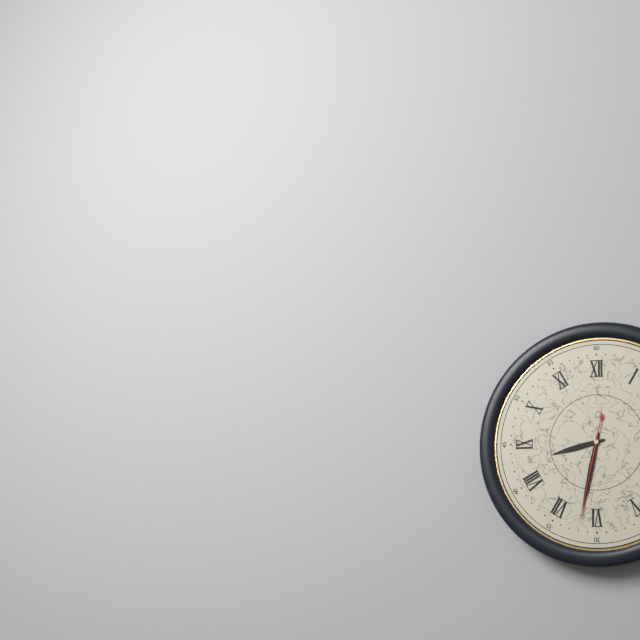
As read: 8h32m32s
